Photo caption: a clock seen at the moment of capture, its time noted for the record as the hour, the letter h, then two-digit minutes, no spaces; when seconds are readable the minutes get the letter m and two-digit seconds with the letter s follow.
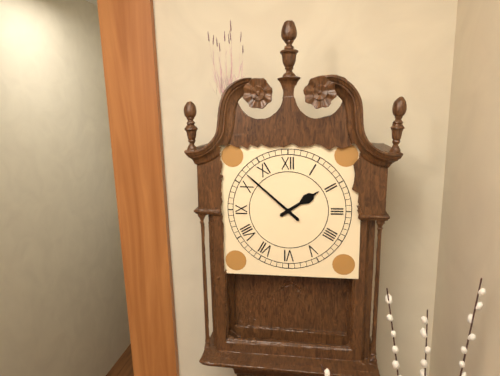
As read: 1h52
